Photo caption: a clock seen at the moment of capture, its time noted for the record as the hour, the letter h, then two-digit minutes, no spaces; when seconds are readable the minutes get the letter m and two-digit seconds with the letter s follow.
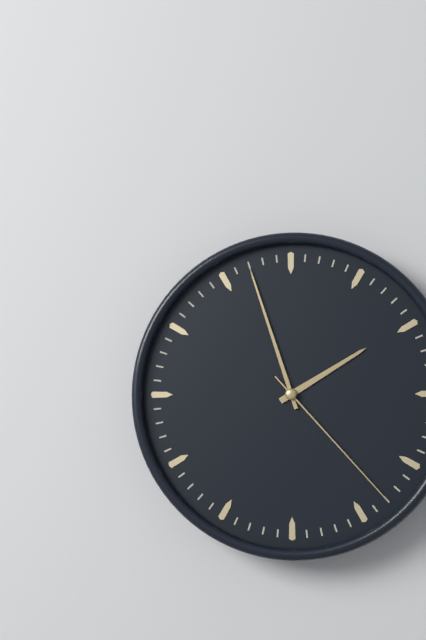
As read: 1h57m23s
